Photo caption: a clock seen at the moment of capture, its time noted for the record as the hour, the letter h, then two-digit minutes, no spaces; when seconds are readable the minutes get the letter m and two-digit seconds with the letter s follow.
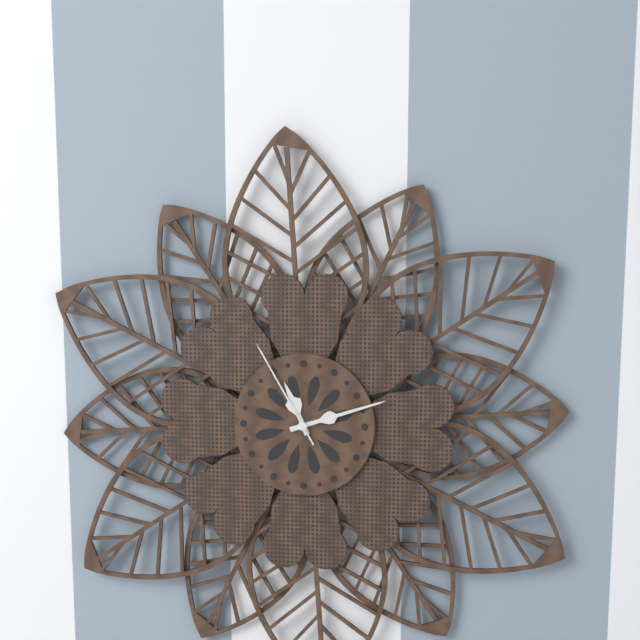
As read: 11h12m55s
